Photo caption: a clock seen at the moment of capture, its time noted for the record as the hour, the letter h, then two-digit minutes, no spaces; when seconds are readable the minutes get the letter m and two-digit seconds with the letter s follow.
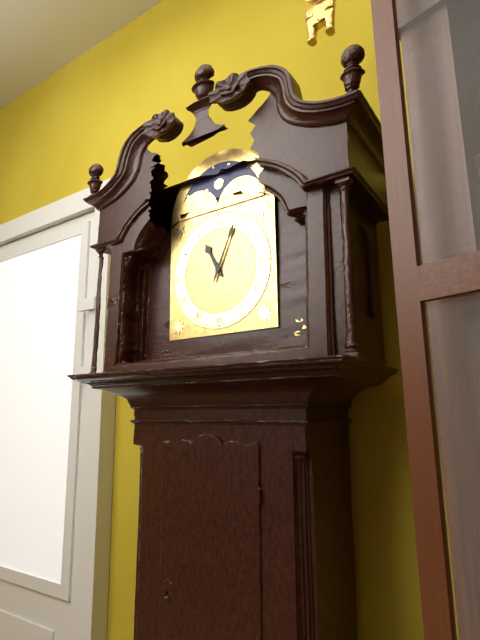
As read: 11h04
